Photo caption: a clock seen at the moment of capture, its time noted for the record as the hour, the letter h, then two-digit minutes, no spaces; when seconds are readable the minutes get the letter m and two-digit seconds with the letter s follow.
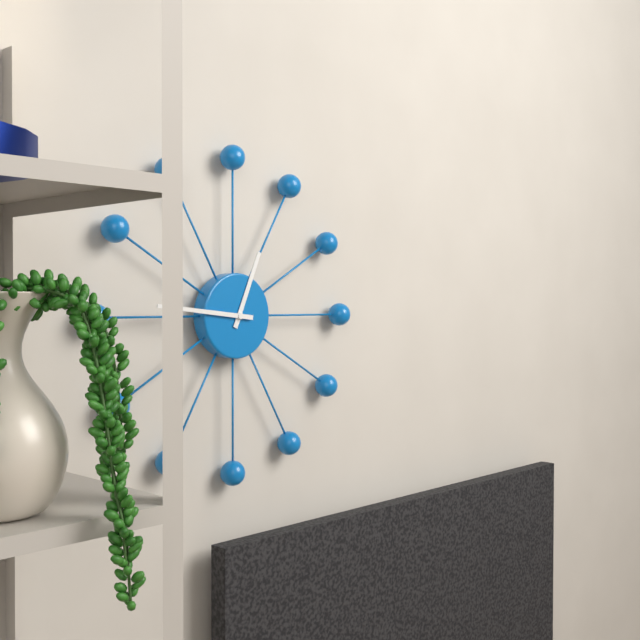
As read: 12h46
